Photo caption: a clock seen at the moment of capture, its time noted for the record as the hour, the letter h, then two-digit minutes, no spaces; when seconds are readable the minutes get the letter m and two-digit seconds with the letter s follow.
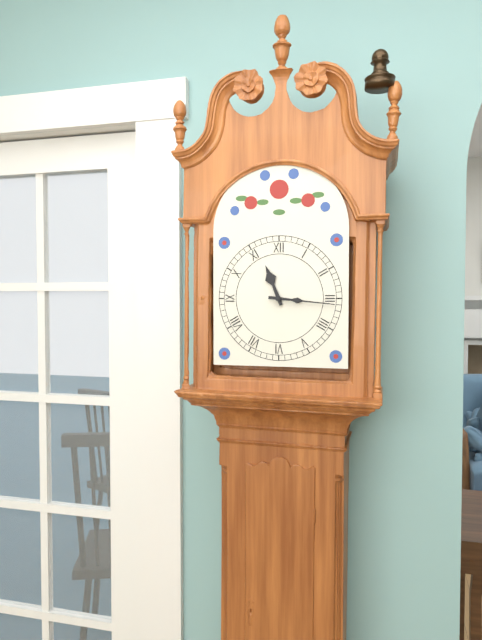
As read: 11h16
